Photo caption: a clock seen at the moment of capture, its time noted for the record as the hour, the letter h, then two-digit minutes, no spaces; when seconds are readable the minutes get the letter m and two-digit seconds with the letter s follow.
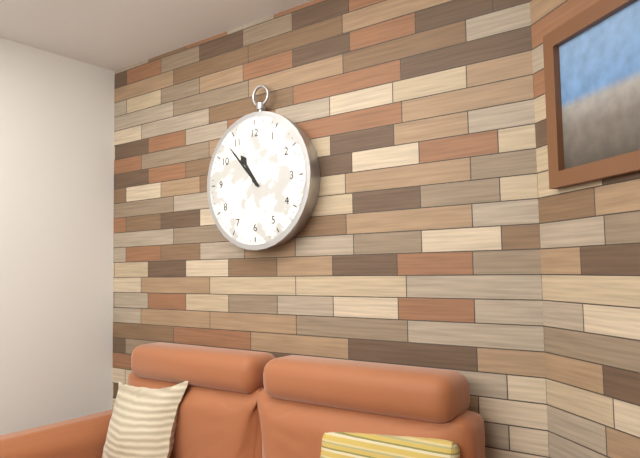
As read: 10h53
